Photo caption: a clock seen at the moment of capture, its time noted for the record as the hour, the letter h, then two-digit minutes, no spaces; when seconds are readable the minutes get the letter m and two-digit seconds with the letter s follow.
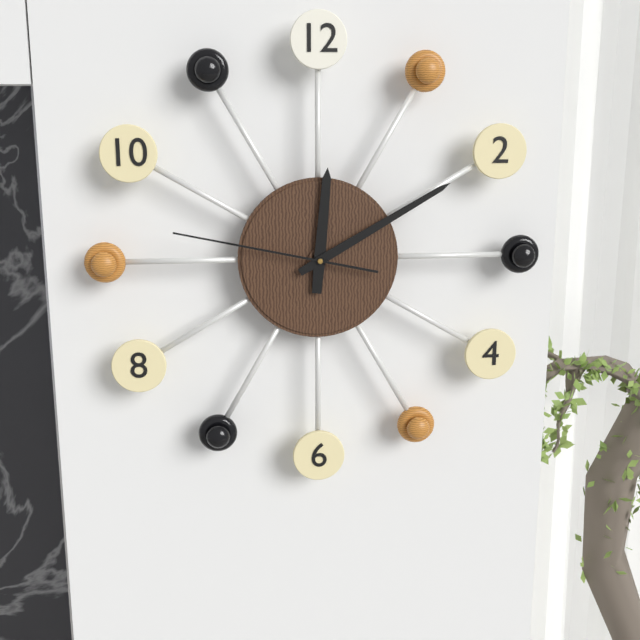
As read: 12h10m47s
